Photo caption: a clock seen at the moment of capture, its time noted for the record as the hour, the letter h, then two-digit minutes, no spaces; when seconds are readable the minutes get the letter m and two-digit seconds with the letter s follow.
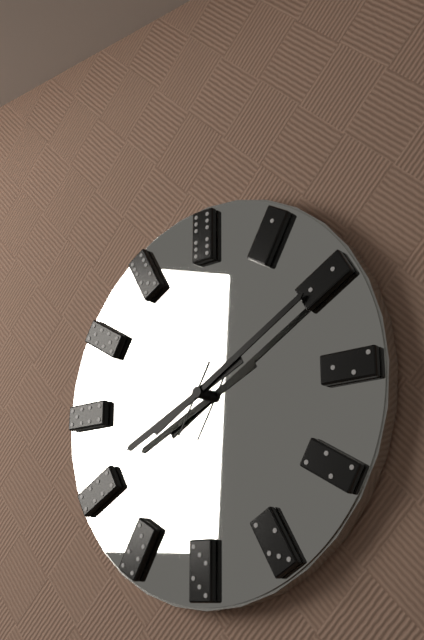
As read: 8h10m35s
